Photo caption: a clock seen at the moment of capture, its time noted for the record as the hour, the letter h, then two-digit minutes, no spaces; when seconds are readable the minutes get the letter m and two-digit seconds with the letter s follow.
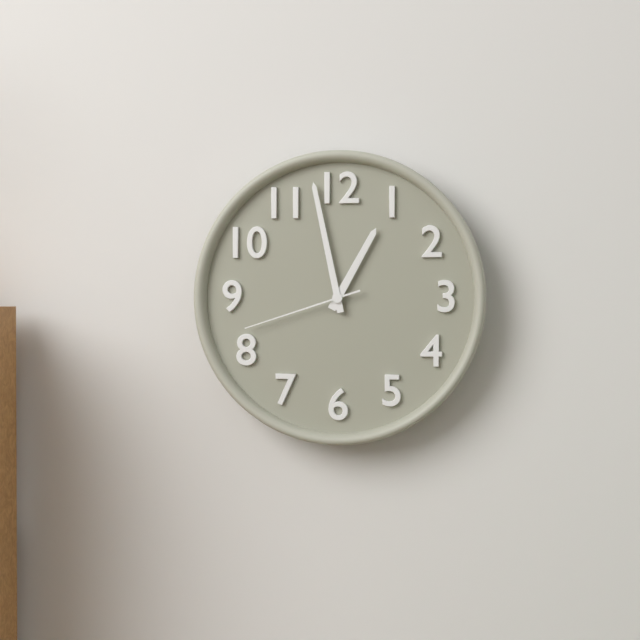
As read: 12h58m42s
